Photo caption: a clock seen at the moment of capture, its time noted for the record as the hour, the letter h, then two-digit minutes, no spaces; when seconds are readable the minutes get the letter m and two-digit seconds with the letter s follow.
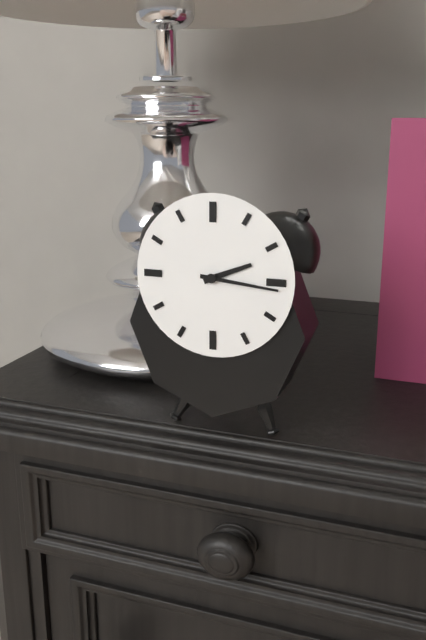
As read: 2h16
